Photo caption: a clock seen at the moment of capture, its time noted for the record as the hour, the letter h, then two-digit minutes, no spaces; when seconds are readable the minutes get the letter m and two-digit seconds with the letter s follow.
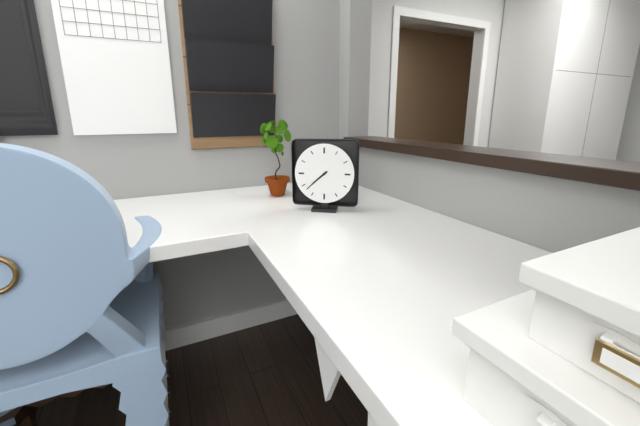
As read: 7h38
